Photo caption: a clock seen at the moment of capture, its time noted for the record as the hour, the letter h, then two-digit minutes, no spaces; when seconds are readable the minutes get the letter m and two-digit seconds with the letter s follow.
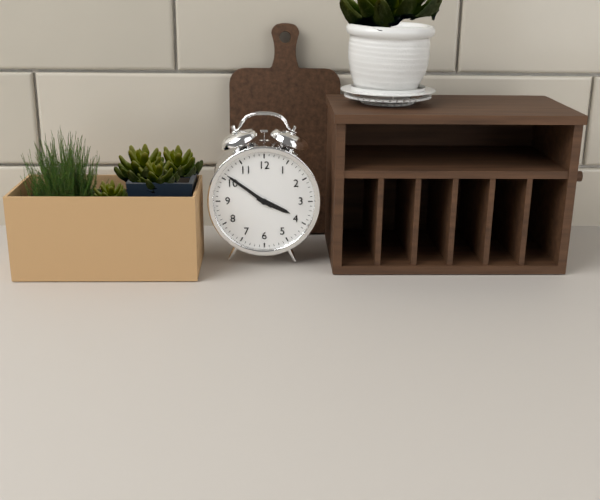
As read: 3h51
